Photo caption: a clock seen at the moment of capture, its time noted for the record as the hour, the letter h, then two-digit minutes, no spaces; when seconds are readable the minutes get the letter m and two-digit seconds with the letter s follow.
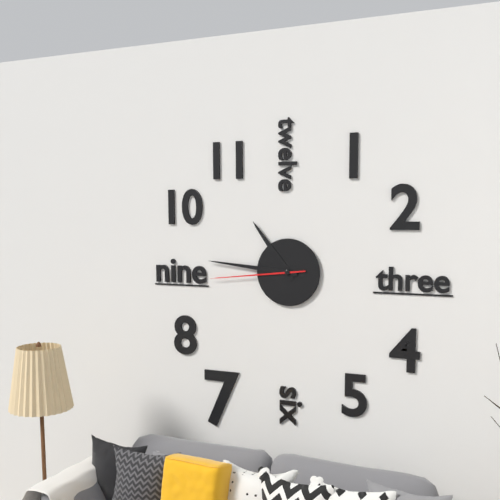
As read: 10h46m44s
